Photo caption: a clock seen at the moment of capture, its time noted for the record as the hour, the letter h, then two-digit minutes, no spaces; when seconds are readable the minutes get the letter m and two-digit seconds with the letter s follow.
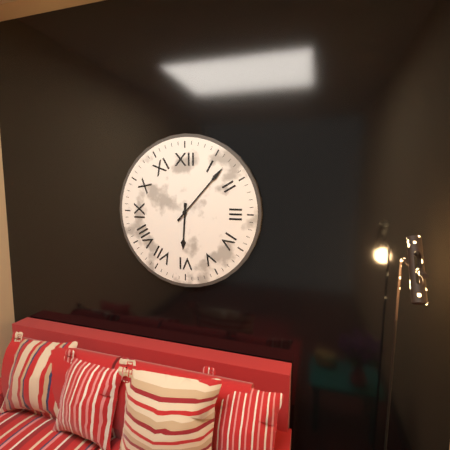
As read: 6h07
